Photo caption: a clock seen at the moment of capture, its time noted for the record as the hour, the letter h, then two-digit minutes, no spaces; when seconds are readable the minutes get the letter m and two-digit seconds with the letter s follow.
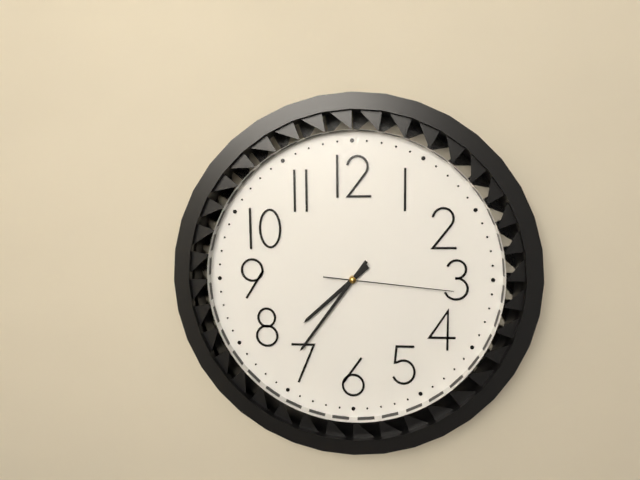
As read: 7h36m16s
